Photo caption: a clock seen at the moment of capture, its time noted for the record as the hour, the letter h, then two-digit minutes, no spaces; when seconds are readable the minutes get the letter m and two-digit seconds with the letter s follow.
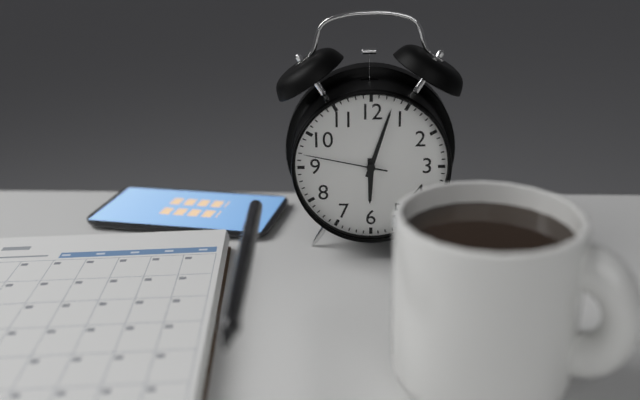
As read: 6h03m47s
